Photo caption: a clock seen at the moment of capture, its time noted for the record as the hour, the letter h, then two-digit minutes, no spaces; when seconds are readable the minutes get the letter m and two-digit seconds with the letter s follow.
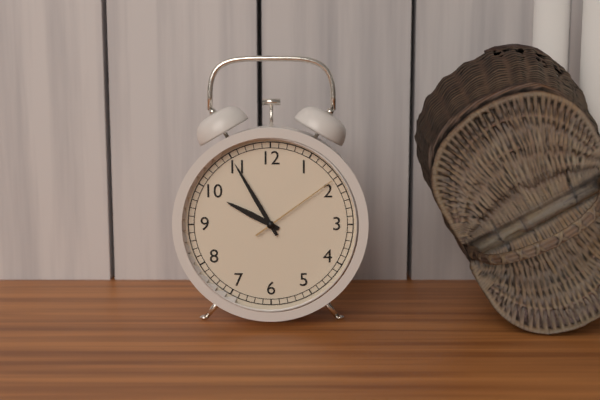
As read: 9h55m09s
